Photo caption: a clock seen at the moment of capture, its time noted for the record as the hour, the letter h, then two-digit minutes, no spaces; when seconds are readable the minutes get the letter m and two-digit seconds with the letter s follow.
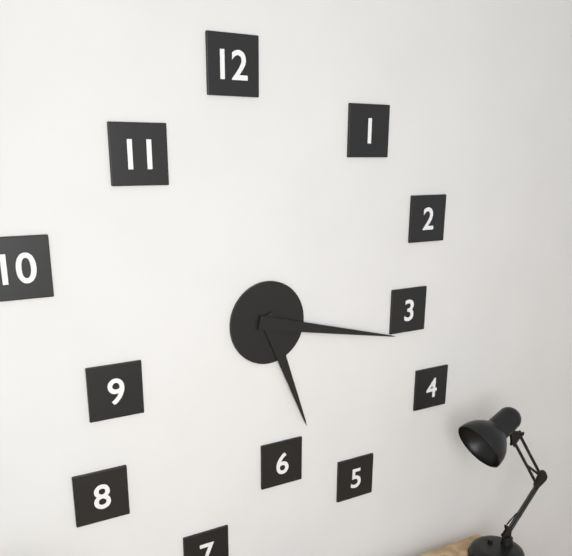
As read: 5h17
